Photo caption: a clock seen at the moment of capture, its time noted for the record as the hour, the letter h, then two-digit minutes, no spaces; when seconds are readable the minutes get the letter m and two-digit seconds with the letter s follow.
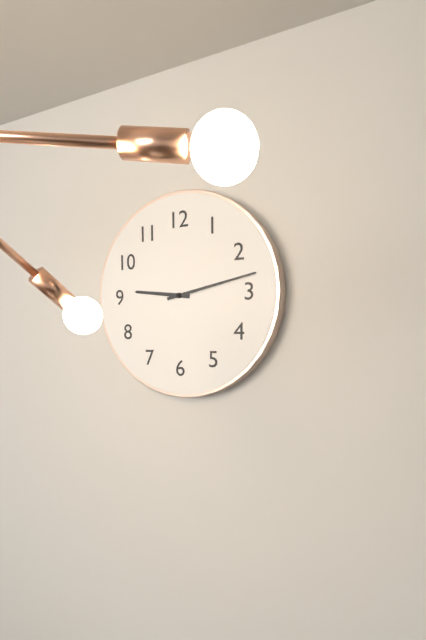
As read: 9h13
